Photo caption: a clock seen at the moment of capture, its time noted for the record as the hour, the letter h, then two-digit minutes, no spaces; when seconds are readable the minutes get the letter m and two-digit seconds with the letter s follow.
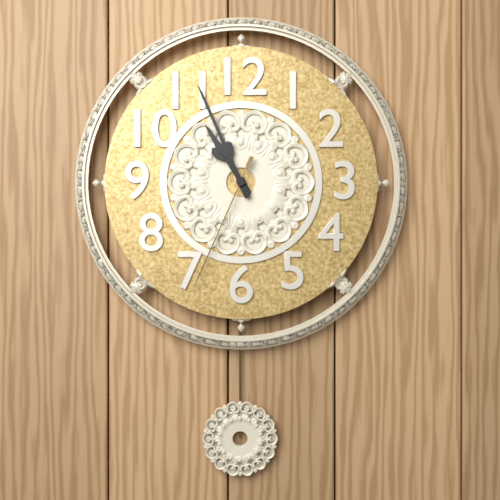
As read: 10h56m34s
